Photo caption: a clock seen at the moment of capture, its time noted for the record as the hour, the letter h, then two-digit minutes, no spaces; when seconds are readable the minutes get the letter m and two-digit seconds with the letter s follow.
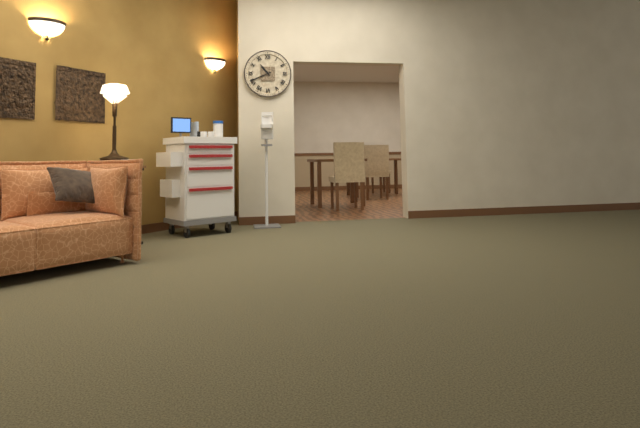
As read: 10h41
